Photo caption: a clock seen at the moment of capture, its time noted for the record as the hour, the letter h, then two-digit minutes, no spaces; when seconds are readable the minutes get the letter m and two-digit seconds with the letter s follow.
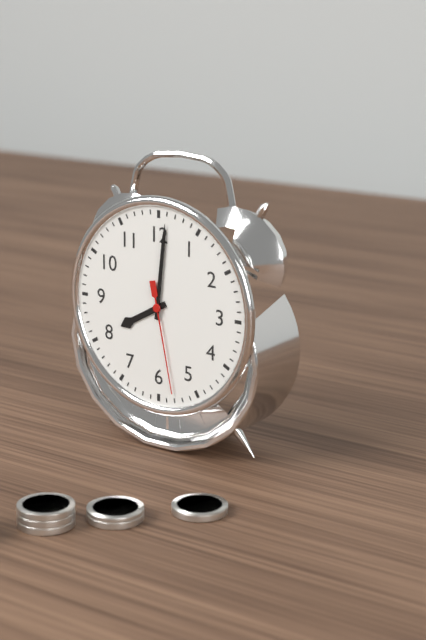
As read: 8h01m28s
